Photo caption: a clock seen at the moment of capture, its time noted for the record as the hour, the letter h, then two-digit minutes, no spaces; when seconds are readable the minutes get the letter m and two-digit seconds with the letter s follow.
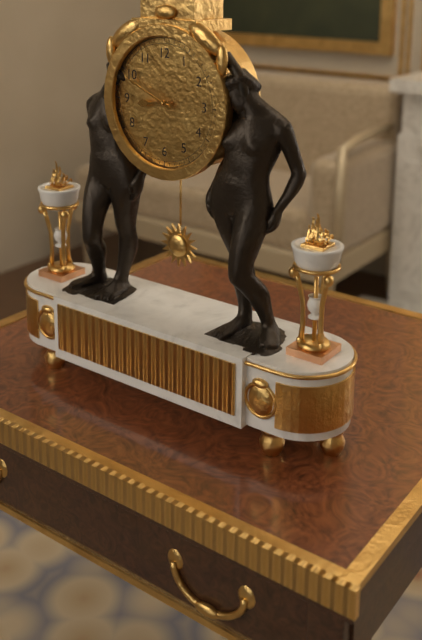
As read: 8h49
